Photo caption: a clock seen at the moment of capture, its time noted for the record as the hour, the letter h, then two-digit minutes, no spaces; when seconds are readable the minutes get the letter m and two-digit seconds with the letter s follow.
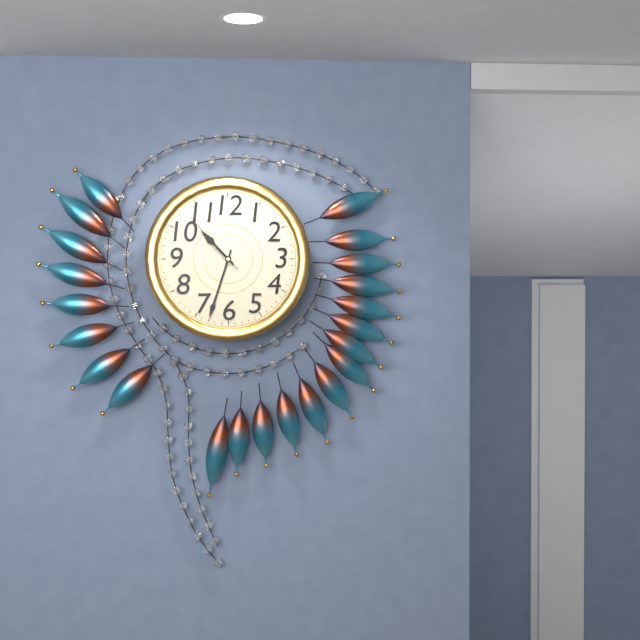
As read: 10h33m53s
